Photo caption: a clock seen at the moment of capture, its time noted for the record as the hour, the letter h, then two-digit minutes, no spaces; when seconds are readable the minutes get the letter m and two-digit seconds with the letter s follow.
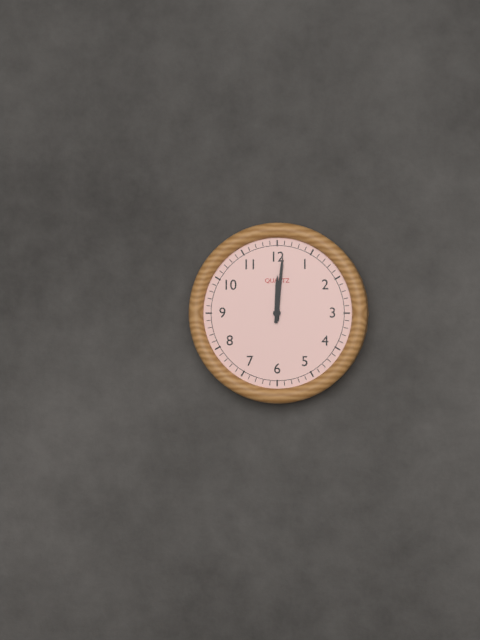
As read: 12h01
